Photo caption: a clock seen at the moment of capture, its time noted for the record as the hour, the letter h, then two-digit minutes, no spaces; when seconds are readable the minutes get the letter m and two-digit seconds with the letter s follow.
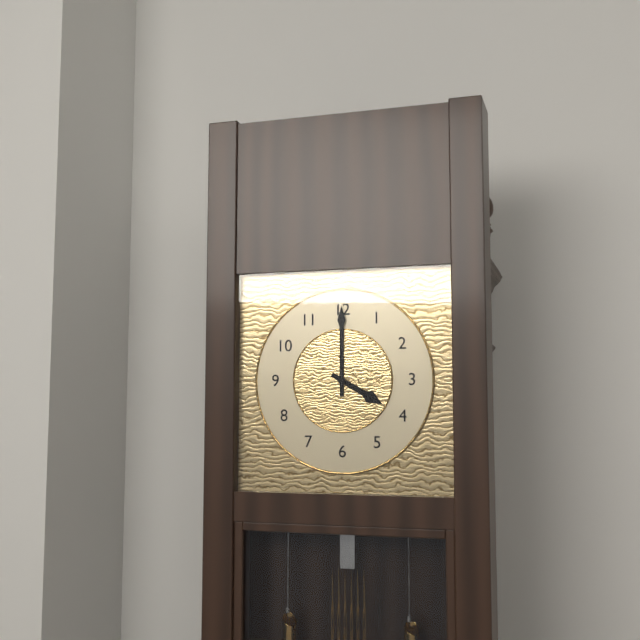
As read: 4h00
